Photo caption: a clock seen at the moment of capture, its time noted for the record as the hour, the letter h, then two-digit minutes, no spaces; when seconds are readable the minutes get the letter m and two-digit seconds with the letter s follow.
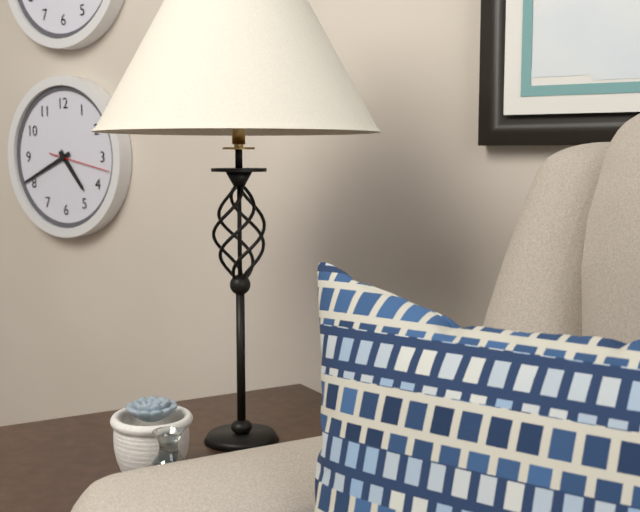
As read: 4h41m17s
